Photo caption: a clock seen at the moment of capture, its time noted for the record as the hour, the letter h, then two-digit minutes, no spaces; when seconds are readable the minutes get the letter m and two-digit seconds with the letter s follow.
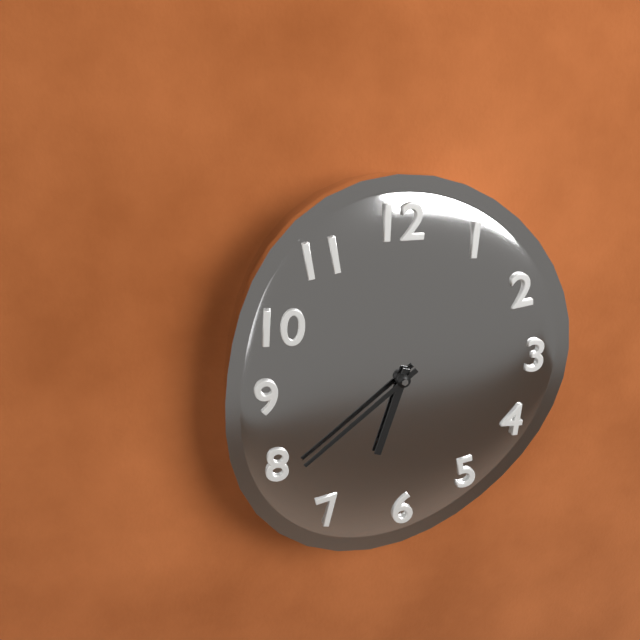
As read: 6h39
